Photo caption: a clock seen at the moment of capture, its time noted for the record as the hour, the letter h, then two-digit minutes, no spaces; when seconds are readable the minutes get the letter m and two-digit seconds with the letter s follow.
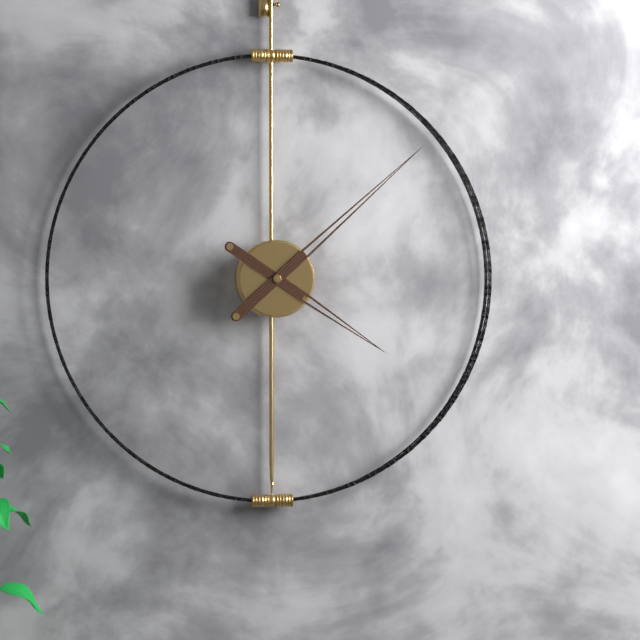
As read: 4h08
